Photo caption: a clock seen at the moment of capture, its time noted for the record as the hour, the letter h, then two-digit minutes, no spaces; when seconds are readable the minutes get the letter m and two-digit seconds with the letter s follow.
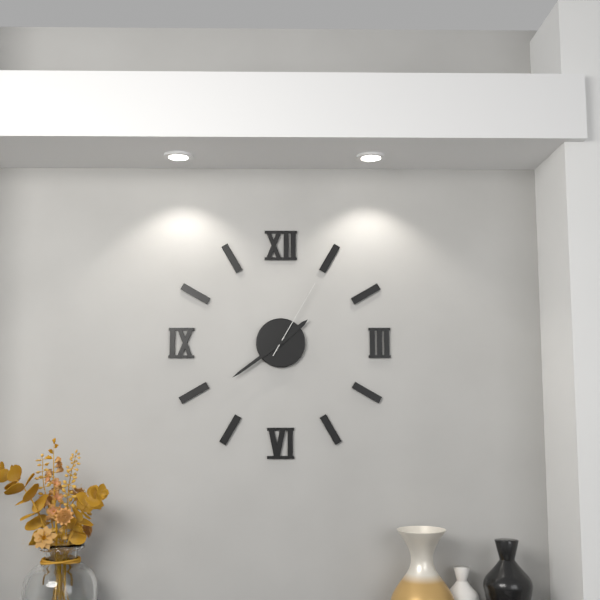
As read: 1h39m05s
